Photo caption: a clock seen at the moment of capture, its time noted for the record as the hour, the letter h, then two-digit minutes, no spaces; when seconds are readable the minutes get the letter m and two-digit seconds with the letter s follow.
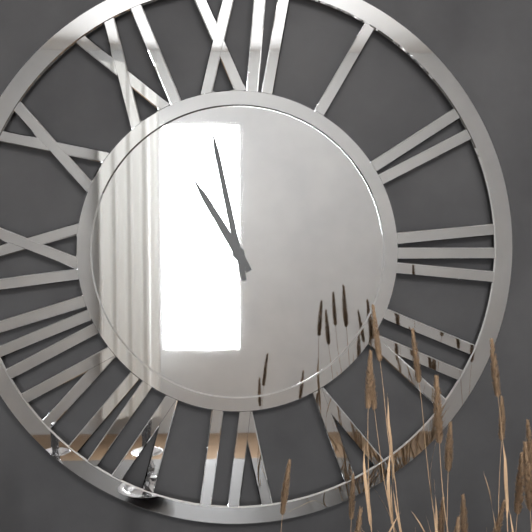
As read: 10h58
